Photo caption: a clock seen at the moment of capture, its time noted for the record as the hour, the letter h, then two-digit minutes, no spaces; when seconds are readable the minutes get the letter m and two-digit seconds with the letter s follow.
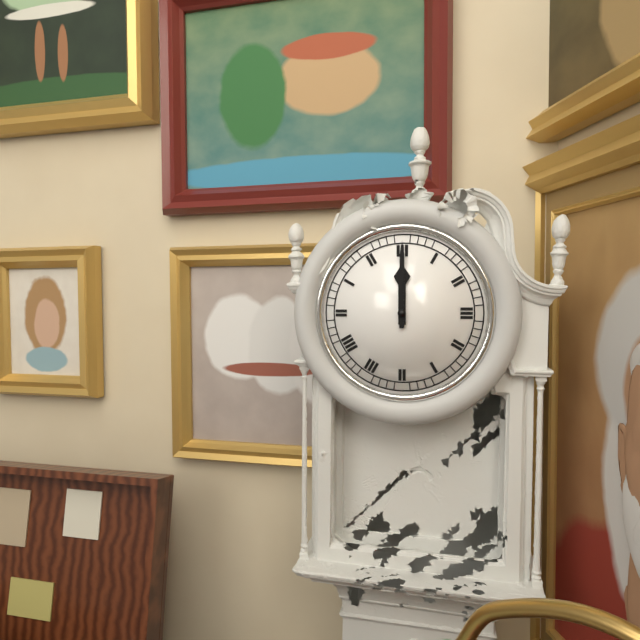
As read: 12h00
